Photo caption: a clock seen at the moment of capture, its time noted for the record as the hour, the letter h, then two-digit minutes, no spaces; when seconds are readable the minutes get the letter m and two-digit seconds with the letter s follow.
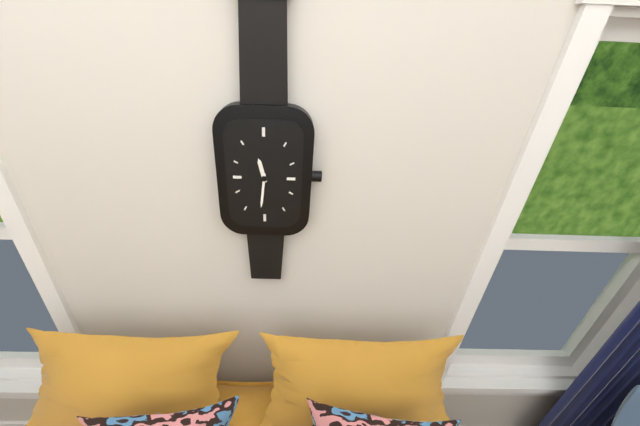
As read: 11h31
